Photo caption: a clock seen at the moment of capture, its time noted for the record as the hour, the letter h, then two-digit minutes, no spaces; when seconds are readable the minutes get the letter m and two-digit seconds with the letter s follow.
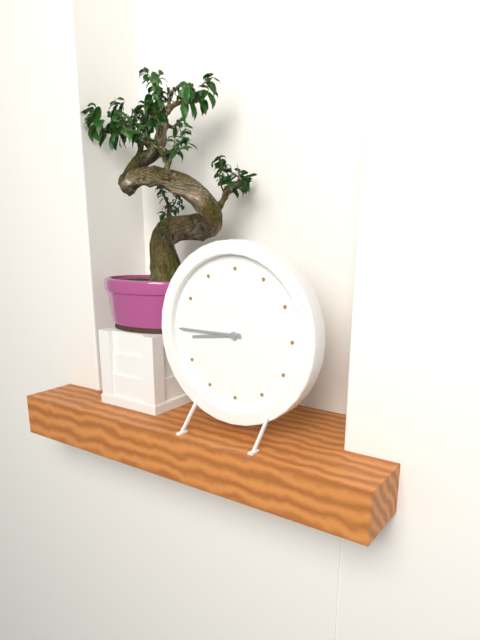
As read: 8h45
